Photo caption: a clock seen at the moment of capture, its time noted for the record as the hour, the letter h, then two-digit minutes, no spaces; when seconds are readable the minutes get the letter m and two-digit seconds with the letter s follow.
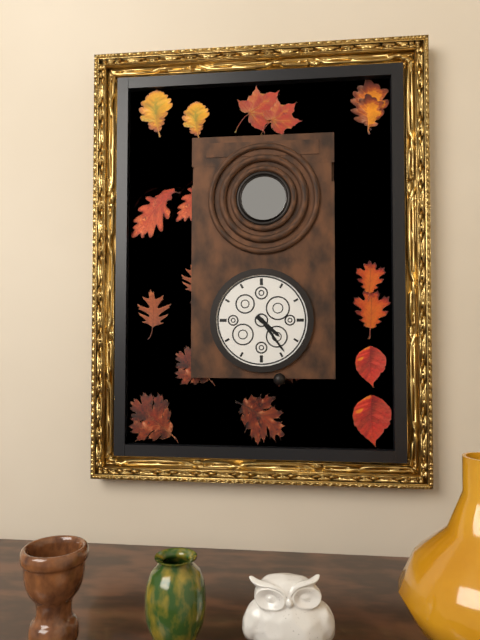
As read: 4h24
